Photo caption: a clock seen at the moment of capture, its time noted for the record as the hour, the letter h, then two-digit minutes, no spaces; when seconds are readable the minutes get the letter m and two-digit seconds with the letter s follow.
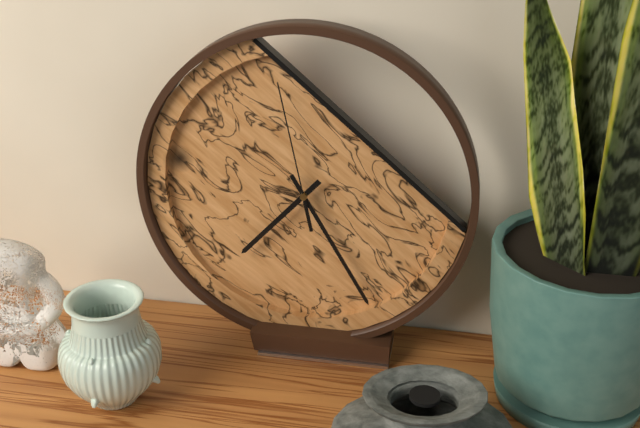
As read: 7h25m58s
